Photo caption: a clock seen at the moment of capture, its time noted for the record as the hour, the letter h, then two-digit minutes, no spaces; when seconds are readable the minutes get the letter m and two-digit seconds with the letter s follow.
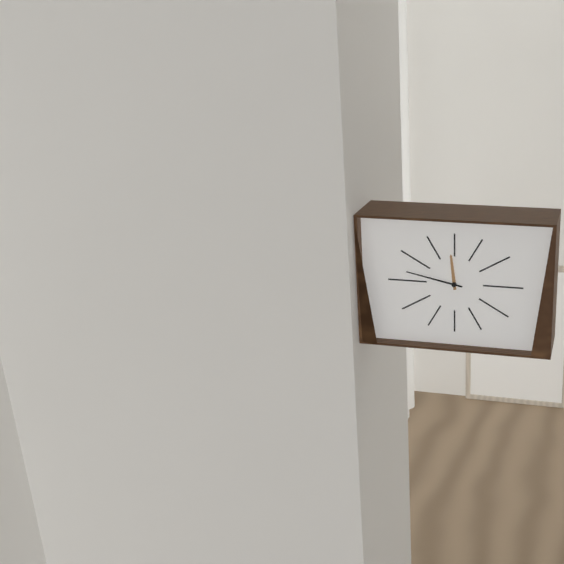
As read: 11h47
